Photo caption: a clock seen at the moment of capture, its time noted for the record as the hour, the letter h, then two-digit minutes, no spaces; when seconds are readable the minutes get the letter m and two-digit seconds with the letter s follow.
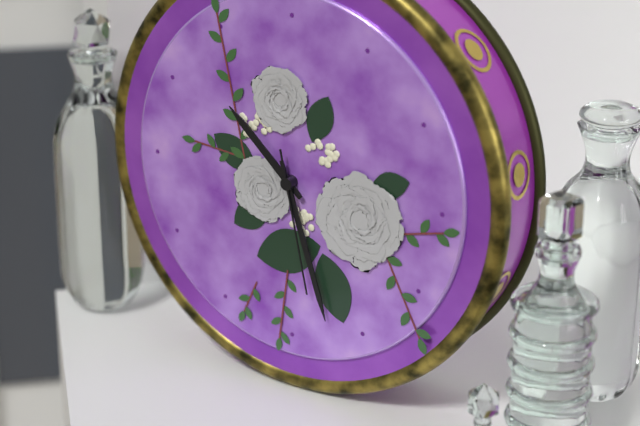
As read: 10h27m28s
